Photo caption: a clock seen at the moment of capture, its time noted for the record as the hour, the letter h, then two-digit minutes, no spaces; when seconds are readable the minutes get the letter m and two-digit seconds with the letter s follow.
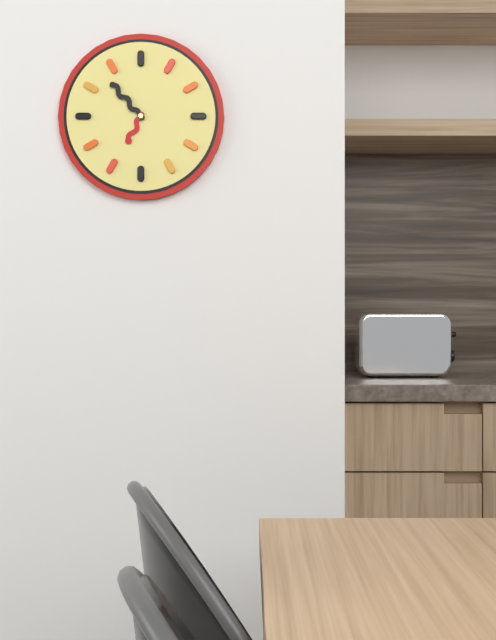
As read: 6h53
